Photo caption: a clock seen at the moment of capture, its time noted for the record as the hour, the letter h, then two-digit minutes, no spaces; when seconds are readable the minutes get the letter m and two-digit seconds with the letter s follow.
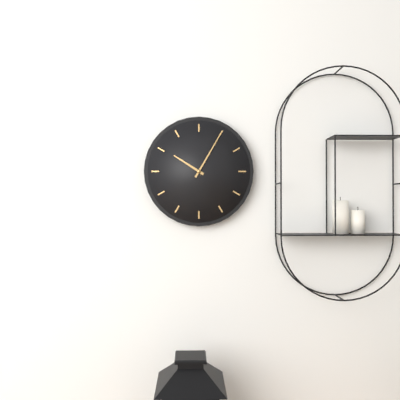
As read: 10h05
